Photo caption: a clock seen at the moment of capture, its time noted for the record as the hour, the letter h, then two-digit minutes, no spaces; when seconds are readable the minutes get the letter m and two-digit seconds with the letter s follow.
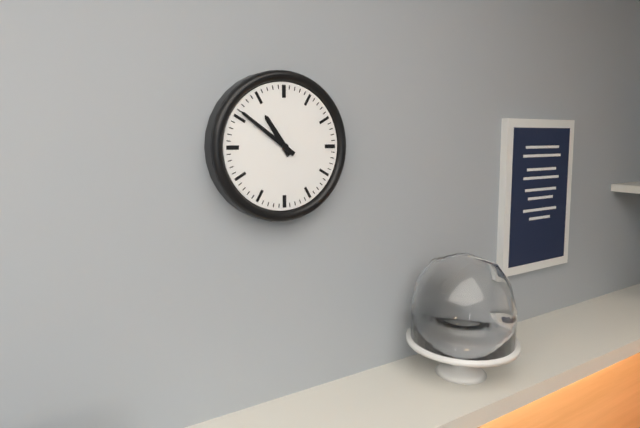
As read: 10h51
